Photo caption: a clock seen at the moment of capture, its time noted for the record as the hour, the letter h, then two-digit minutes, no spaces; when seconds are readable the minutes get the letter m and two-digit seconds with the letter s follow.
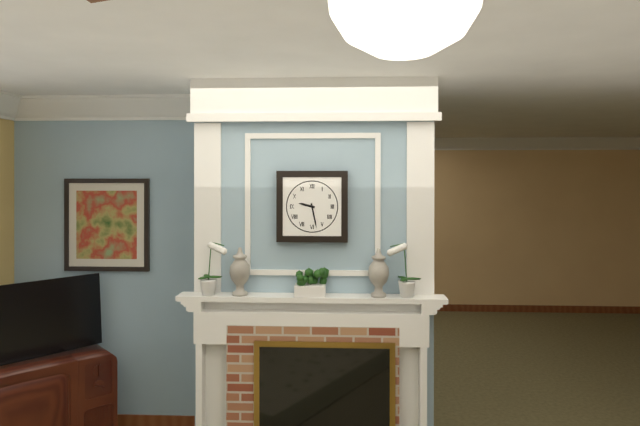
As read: 9h28
